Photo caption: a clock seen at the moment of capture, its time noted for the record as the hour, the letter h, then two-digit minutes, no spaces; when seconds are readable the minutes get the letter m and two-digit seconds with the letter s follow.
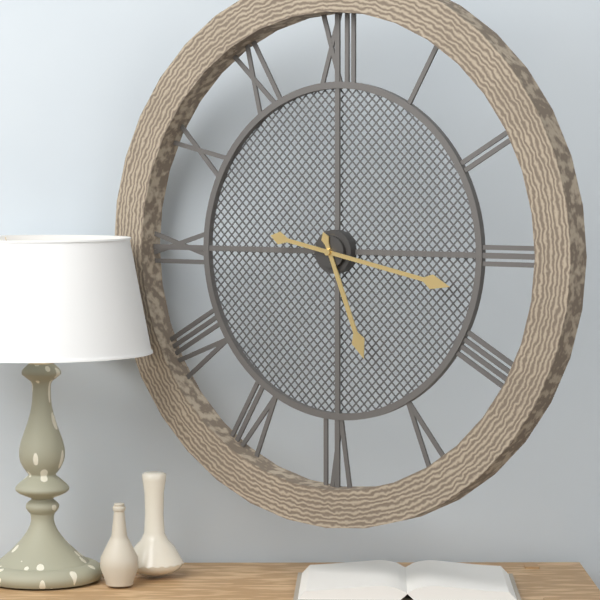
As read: 5h17
